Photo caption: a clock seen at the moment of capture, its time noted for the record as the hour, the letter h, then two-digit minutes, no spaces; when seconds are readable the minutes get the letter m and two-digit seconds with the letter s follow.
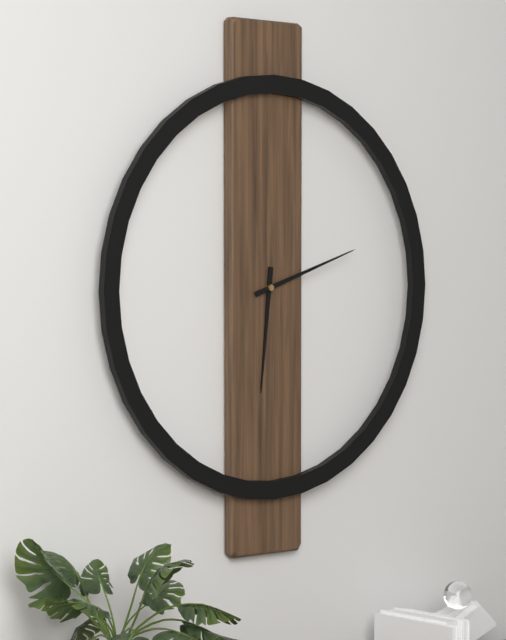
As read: 6h12
